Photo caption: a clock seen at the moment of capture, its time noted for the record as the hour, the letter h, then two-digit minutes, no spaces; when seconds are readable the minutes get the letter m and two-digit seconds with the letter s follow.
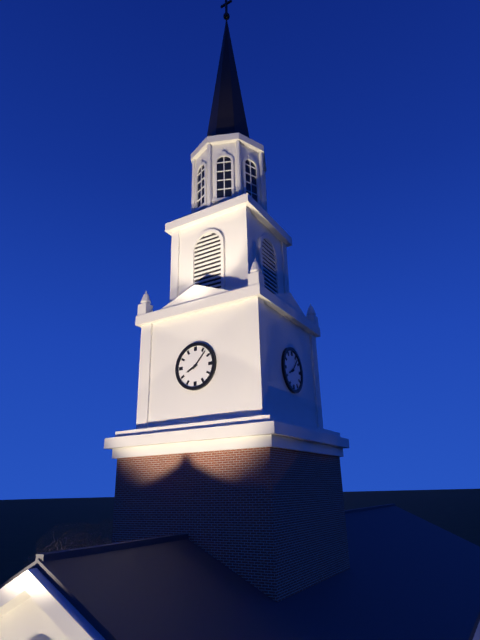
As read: 8h07
